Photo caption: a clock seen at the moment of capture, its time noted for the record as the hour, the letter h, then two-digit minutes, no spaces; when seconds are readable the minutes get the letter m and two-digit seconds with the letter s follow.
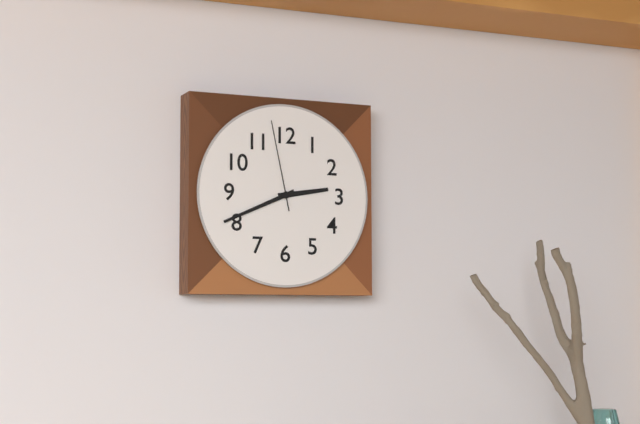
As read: 2h41m58s
